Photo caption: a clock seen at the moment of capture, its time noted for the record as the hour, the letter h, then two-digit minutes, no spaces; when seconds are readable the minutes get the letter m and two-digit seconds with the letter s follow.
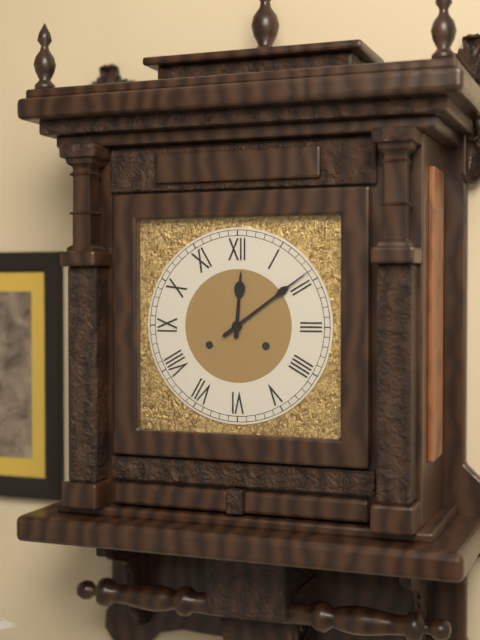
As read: 12h09
